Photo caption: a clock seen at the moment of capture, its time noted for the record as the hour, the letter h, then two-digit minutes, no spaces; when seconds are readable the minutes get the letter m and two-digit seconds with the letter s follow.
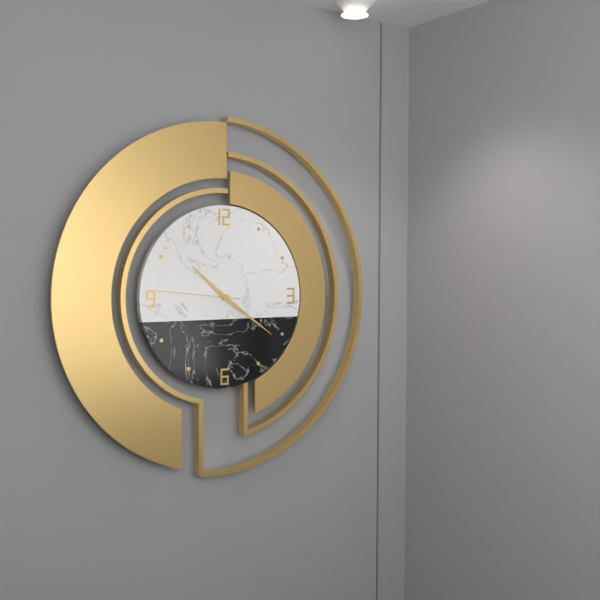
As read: 10h21m46s
